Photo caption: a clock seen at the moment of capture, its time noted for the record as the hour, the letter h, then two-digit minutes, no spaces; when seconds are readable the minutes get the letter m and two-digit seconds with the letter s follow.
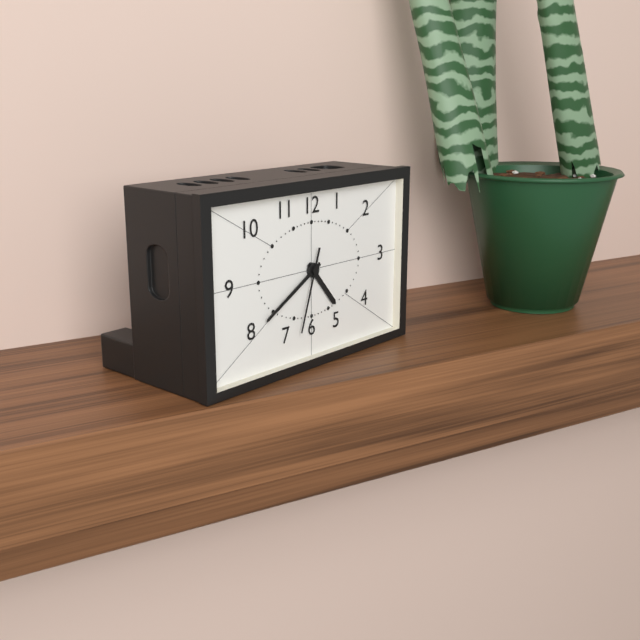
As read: 4h40m33s
